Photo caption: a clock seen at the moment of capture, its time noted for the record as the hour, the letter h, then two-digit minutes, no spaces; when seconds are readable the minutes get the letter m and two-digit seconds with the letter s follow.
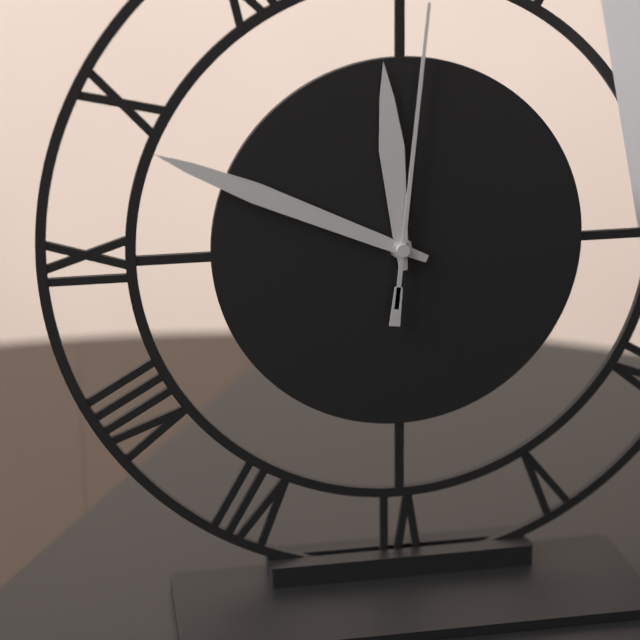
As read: 11h49m01s
